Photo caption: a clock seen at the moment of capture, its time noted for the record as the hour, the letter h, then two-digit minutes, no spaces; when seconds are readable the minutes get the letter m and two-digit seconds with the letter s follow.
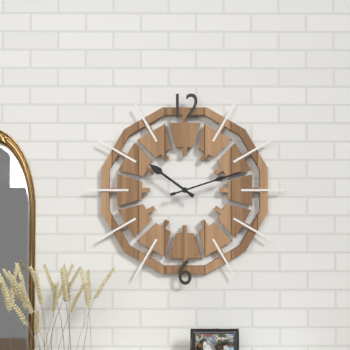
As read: 10h12
